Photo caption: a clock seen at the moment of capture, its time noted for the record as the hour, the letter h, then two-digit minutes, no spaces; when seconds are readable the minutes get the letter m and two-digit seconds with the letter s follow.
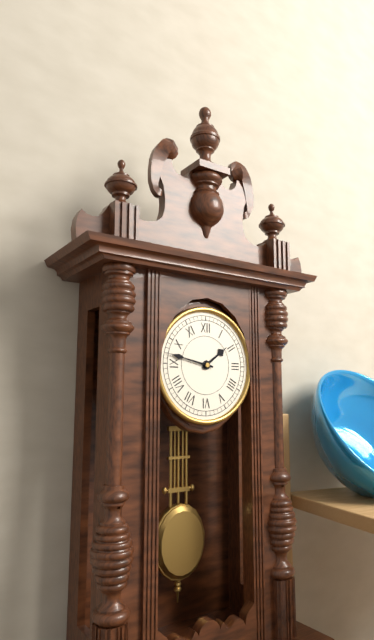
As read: 1h47
